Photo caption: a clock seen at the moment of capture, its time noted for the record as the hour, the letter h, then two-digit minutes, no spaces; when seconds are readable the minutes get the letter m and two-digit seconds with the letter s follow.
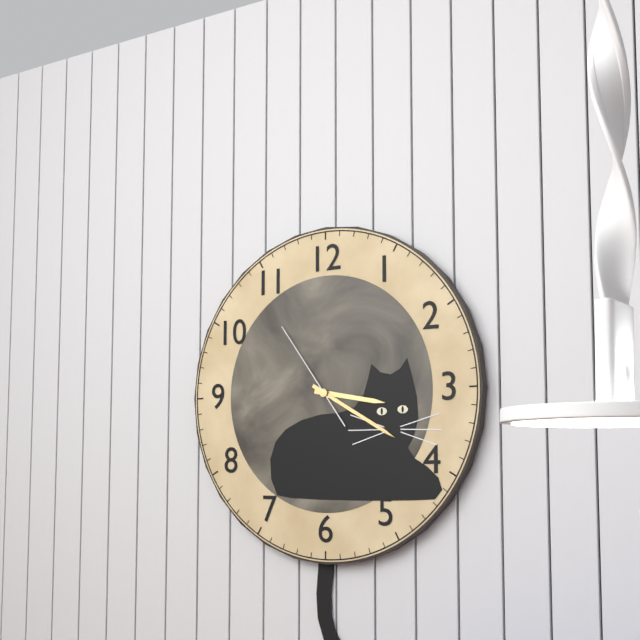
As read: 3h20m54s
